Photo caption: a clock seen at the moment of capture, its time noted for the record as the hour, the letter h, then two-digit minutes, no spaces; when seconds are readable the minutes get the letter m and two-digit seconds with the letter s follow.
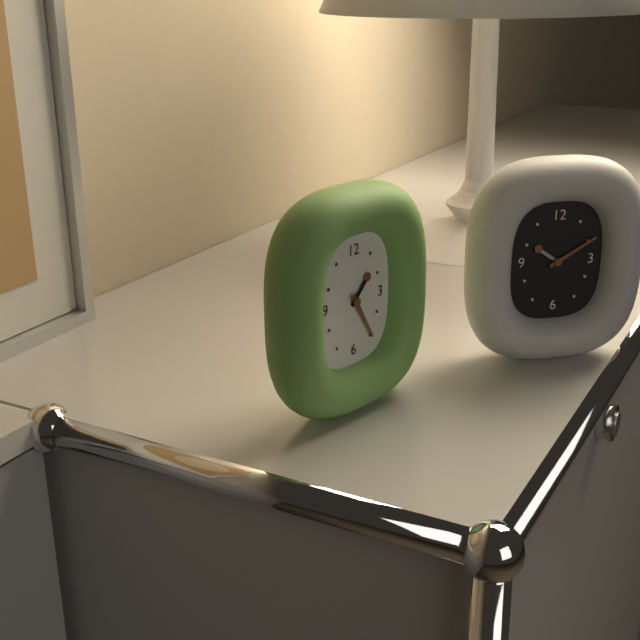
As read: 1h25
